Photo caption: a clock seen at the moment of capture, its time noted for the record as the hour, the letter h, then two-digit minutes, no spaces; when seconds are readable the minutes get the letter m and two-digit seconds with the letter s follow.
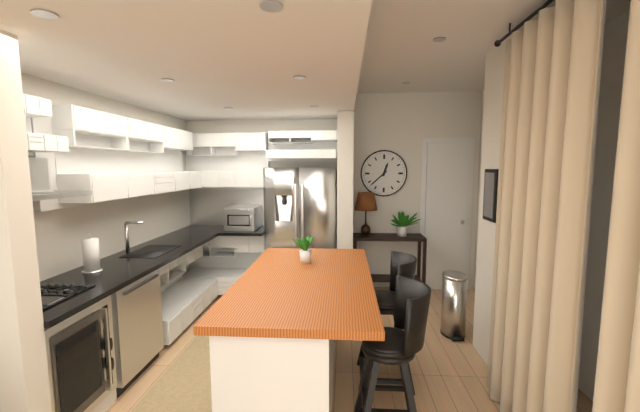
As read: 12h38
